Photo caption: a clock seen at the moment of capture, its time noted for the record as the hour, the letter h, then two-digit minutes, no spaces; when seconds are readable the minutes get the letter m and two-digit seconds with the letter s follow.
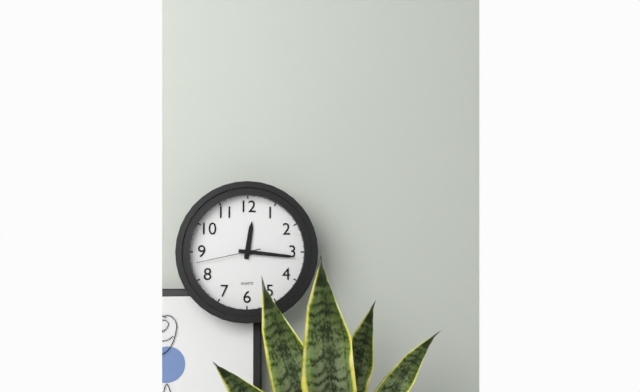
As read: 12h16m43s
